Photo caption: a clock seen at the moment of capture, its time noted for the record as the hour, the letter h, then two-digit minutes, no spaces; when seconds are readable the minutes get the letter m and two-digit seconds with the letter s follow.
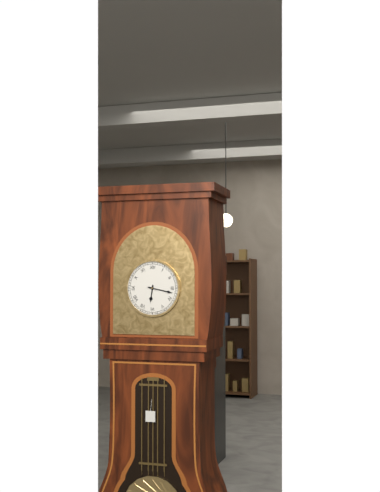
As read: 6h17
